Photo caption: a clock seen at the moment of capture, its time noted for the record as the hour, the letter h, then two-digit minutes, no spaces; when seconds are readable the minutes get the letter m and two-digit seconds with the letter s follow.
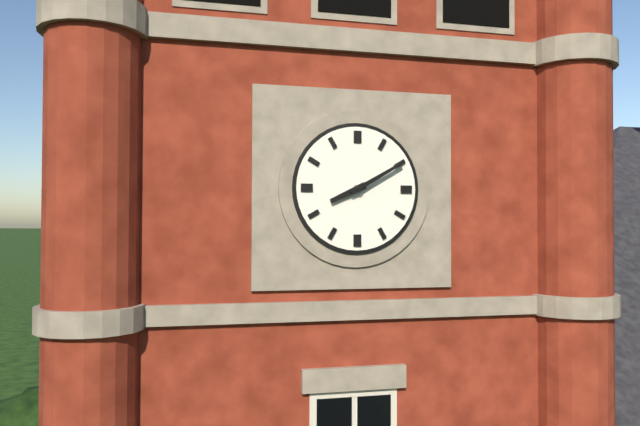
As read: 8h10
